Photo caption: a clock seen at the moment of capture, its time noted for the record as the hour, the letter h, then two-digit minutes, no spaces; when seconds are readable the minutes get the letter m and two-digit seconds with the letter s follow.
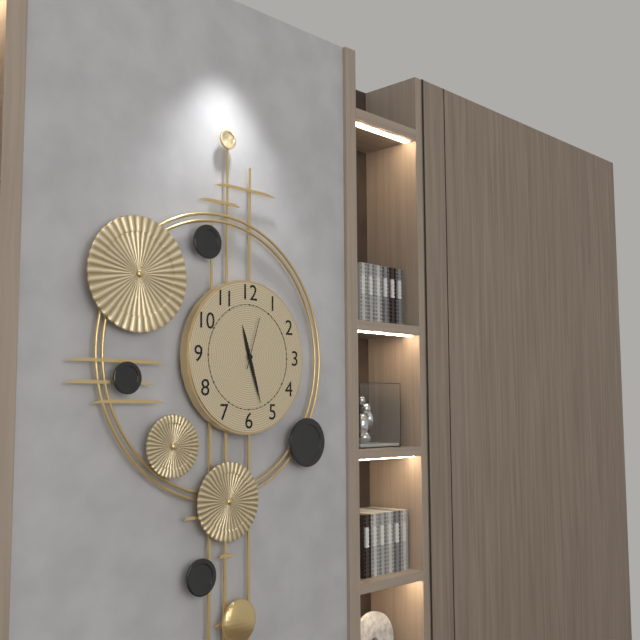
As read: 11h27m03s
